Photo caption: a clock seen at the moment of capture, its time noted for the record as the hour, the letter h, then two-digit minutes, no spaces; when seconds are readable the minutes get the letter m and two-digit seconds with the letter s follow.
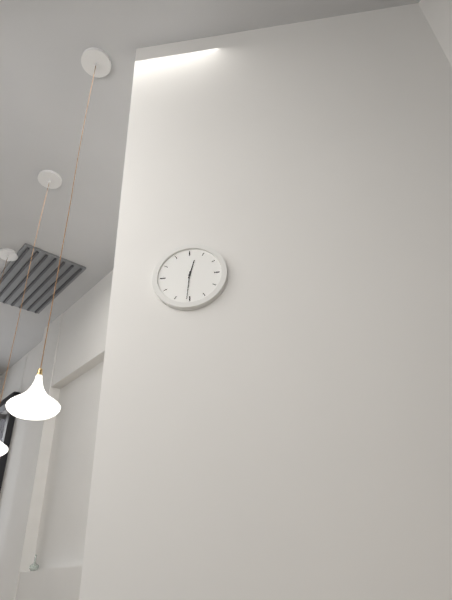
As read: 12h31
